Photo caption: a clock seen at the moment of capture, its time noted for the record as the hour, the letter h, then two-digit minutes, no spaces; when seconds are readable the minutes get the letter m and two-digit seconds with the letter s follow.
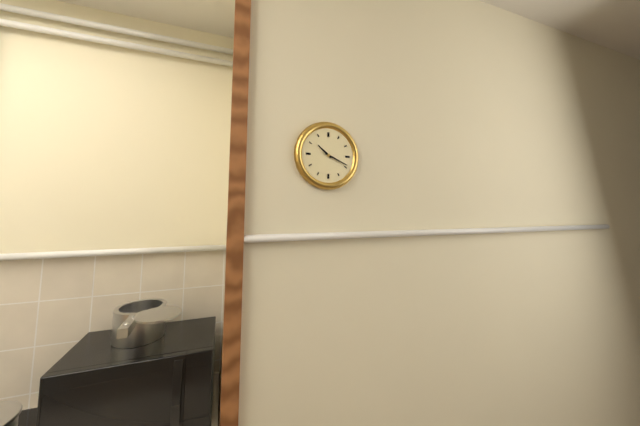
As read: 10h19
